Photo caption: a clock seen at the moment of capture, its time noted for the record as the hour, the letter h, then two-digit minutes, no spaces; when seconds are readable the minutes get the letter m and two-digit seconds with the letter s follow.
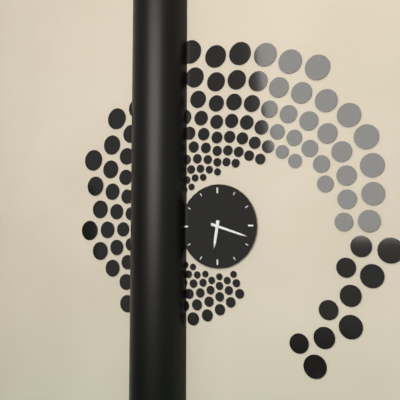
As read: 6h18
